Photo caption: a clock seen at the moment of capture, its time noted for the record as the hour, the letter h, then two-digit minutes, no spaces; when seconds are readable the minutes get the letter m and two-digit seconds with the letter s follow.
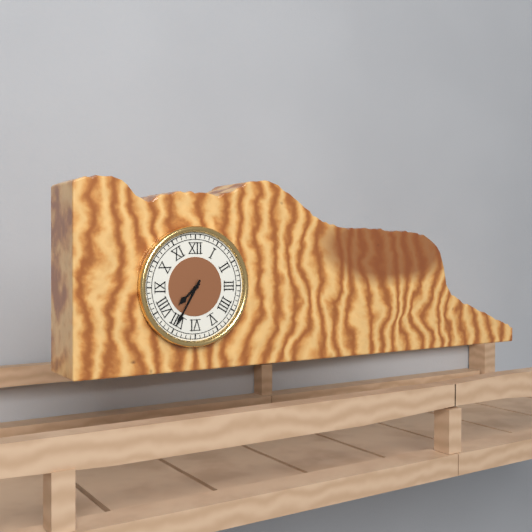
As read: 7h35
